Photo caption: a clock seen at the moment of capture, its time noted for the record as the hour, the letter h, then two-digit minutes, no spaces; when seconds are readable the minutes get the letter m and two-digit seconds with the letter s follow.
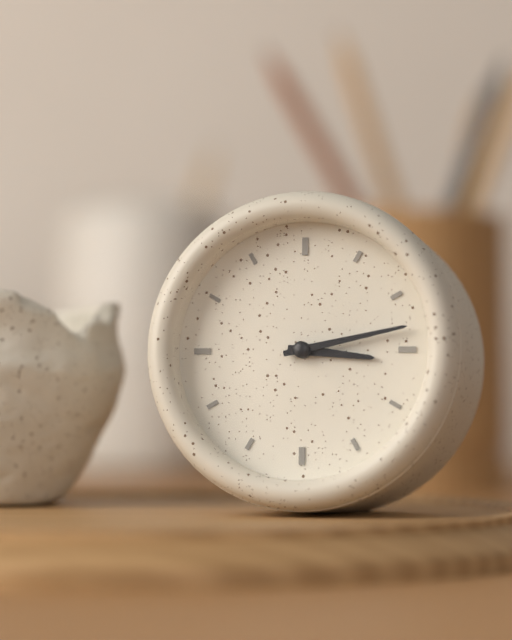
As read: 3h13
